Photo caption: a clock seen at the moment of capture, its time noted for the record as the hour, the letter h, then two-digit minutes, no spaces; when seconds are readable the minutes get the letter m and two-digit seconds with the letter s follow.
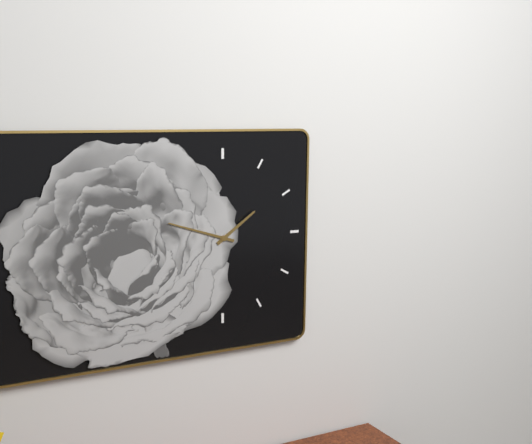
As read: 1h48
